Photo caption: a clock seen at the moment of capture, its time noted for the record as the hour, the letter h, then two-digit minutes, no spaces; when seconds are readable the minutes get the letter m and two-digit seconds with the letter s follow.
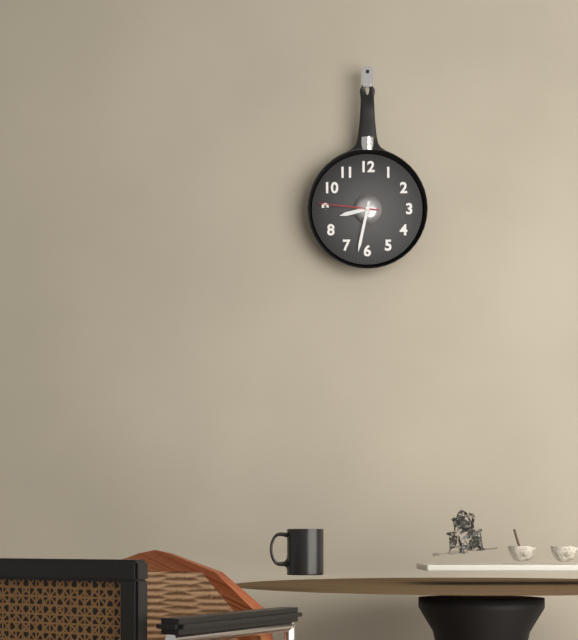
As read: 8h32m46s
